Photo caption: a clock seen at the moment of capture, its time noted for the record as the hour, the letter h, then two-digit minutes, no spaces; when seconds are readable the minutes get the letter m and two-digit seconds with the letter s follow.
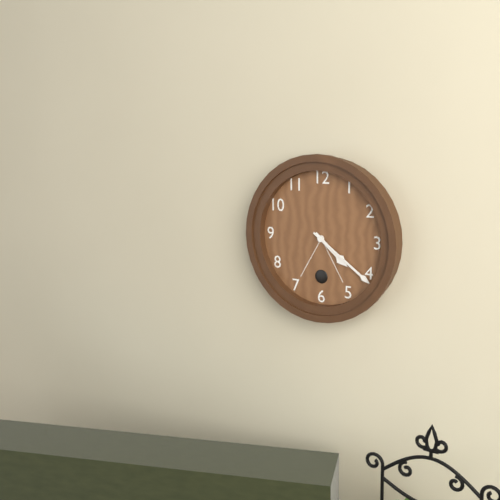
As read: 4h21
